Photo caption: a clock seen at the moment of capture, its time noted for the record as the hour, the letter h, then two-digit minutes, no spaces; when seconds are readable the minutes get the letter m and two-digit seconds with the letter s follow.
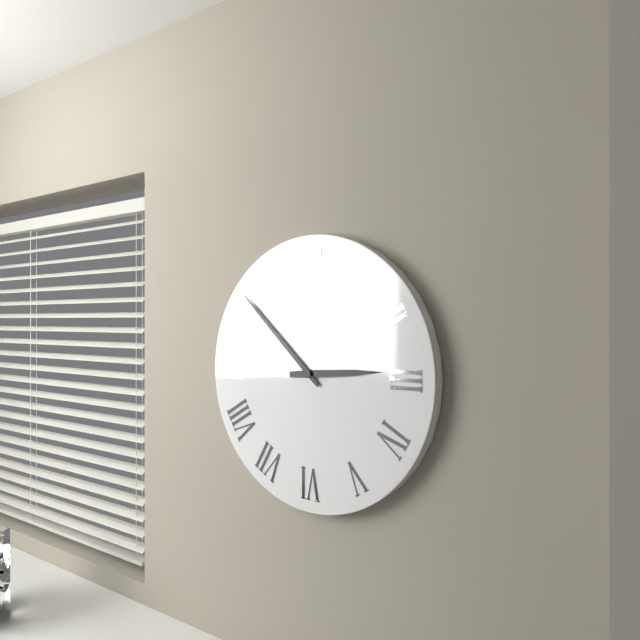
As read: 2h52
